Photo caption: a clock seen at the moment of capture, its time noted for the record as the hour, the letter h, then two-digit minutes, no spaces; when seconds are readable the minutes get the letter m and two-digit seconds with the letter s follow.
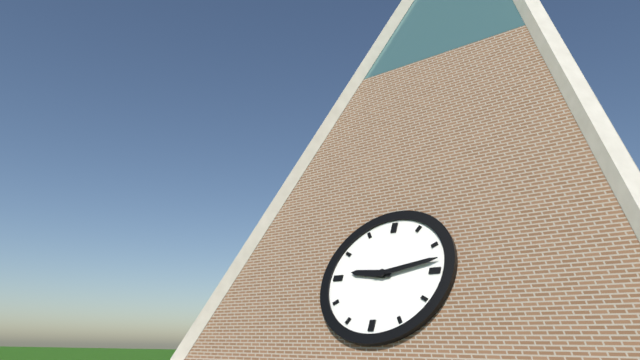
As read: 9h13
